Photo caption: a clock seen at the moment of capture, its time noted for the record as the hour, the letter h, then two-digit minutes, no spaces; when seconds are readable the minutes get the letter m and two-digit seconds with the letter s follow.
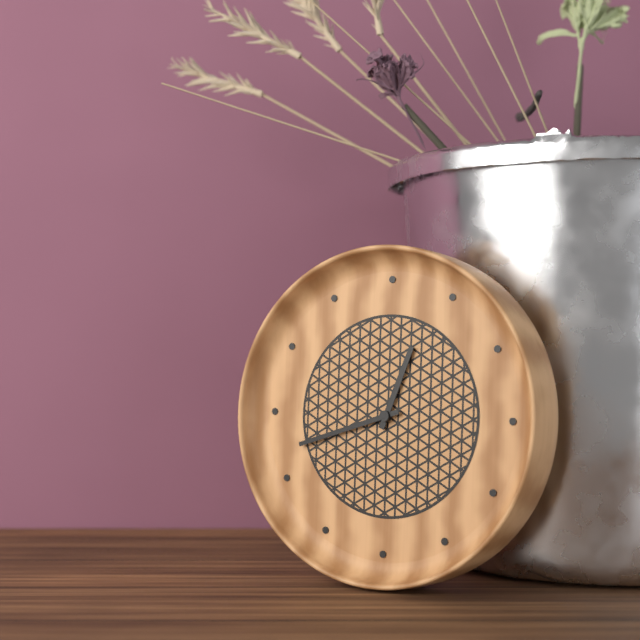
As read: 12h42
